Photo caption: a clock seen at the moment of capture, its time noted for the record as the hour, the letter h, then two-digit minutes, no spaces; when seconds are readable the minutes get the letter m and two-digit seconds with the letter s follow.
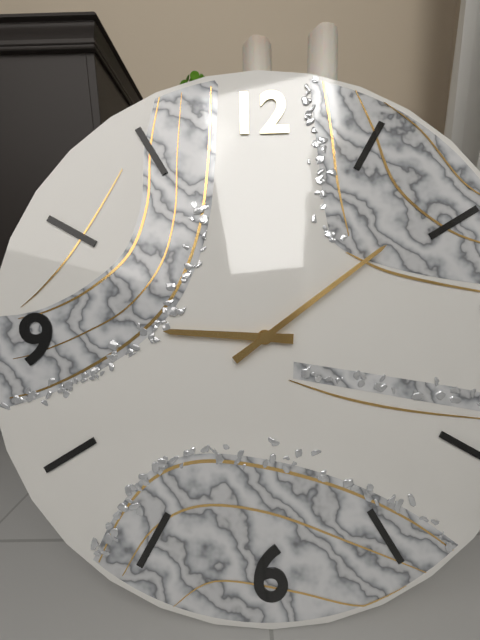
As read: 9h09
